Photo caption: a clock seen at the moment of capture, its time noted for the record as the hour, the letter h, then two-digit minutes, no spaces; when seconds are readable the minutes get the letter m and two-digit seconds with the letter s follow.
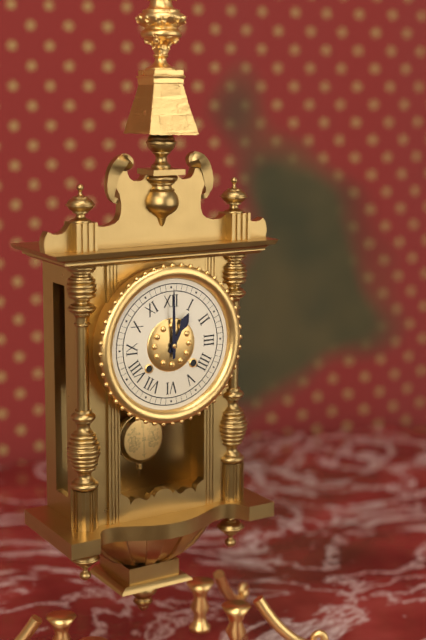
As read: 1h00
